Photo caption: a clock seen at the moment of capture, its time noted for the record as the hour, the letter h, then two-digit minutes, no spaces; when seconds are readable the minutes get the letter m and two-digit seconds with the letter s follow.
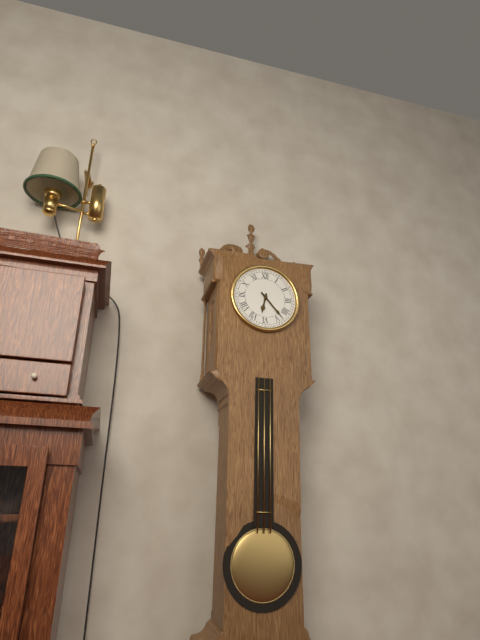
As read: 6h23
